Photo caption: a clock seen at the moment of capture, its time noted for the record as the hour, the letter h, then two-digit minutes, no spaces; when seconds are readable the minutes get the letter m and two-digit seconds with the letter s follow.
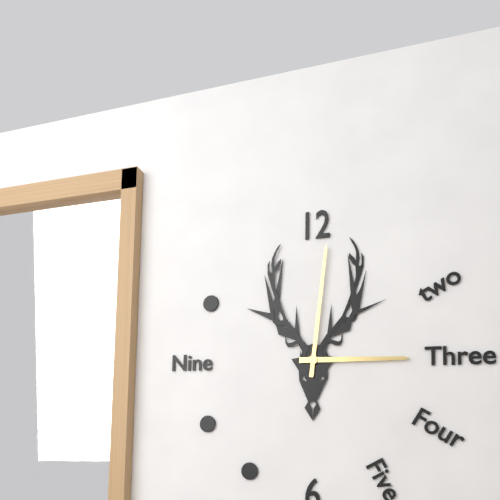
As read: 3h01
